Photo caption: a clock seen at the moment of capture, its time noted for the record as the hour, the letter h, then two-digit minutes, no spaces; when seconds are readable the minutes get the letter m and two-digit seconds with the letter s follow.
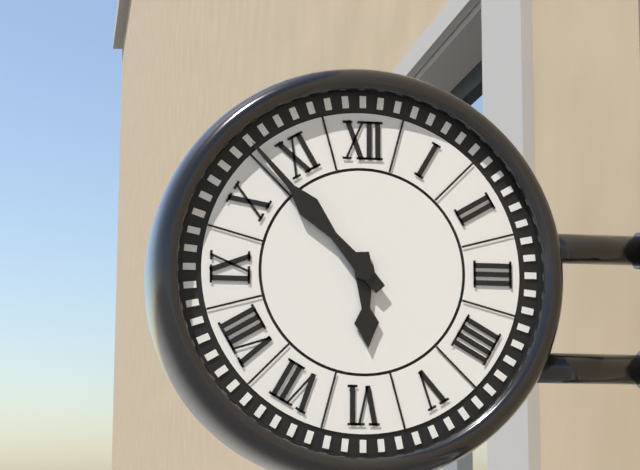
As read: 5h53
